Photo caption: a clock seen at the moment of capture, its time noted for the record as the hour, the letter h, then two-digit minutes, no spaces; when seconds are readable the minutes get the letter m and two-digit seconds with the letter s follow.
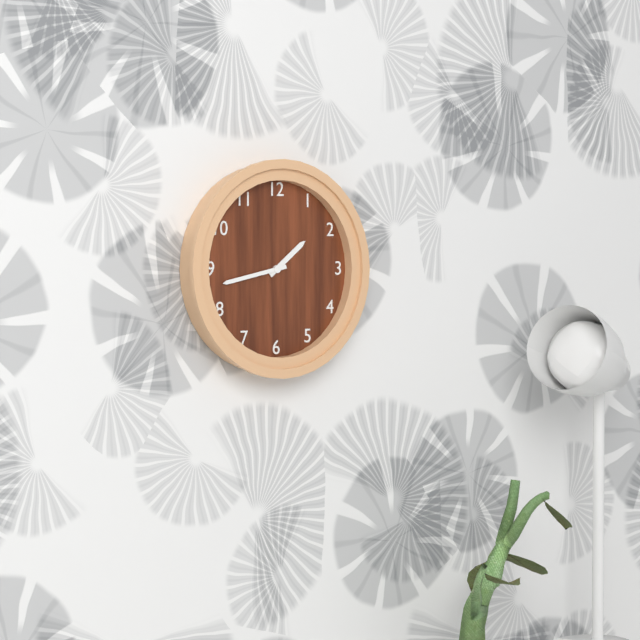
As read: 1h43
